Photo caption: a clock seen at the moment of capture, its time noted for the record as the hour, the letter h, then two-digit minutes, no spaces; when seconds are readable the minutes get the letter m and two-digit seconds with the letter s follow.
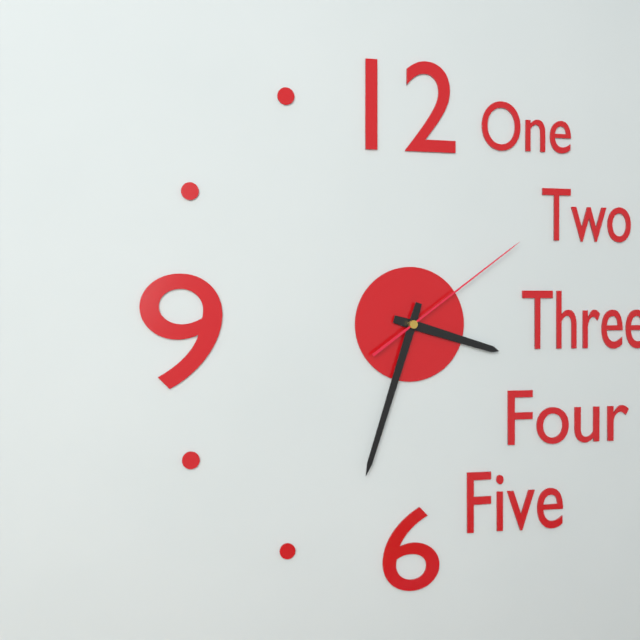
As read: 3h33m09s
